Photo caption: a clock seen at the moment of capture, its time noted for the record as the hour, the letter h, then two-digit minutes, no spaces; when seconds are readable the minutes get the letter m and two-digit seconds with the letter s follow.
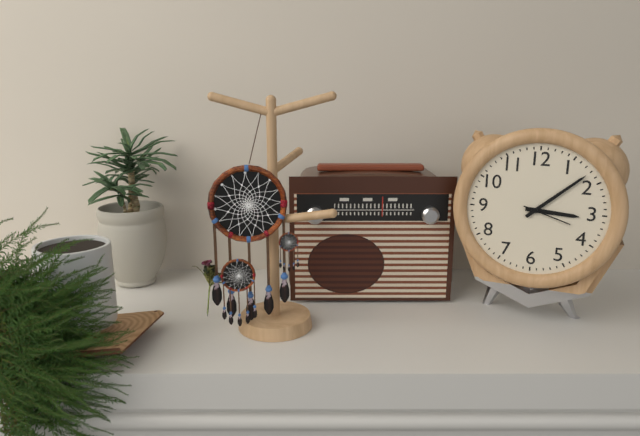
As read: 3h08
